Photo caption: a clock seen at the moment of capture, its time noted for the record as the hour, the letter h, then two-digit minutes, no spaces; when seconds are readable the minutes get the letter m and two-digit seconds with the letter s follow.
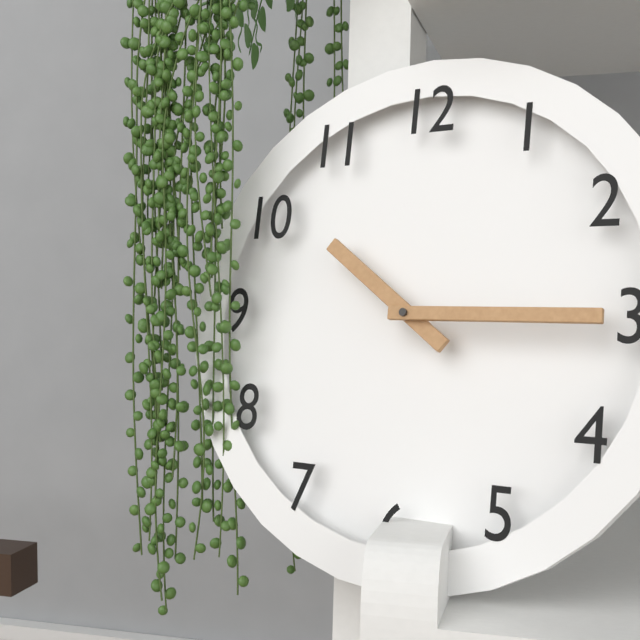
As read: 10h15
